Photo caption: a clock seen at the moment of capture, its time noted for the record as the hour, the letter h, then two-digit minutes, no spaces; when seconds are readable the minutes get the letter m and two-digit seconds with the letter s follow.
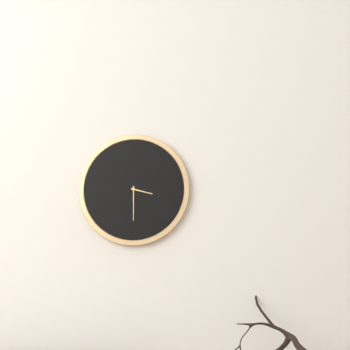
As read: 3h30
